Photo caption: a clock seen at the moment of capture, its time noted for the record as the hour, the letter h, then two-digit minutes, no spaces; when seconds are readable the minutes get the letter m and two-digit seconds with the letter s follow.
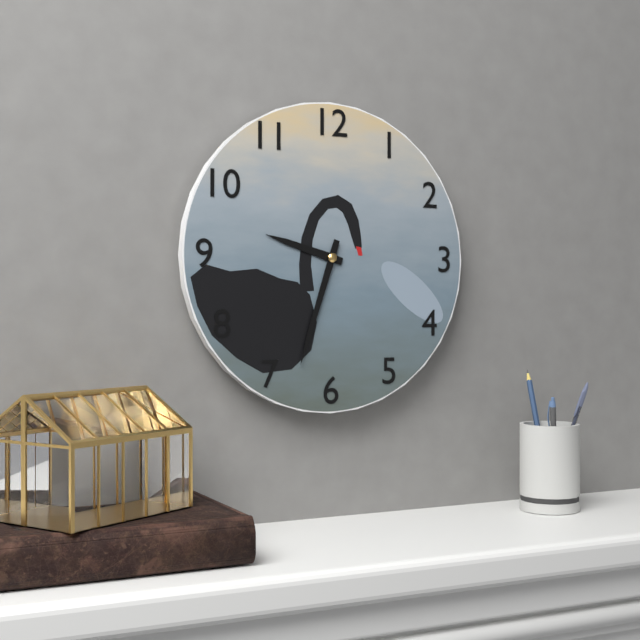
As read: 9h33
